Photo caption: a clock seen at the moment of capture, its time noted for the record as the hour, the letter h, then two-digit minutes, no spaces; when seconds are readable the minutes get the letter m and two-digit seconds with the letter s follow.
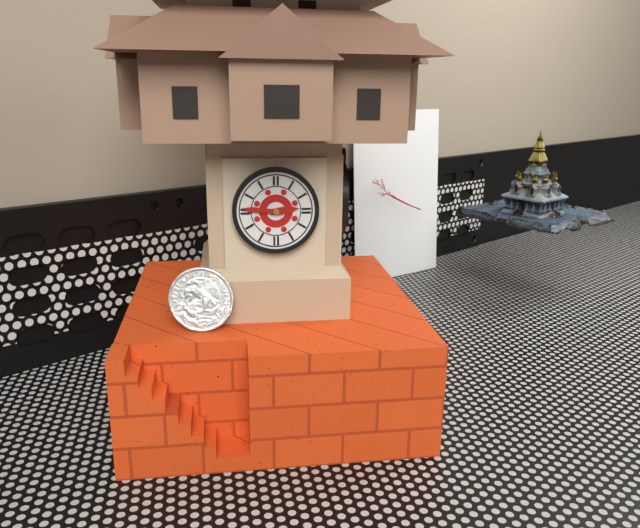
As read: 2h46
